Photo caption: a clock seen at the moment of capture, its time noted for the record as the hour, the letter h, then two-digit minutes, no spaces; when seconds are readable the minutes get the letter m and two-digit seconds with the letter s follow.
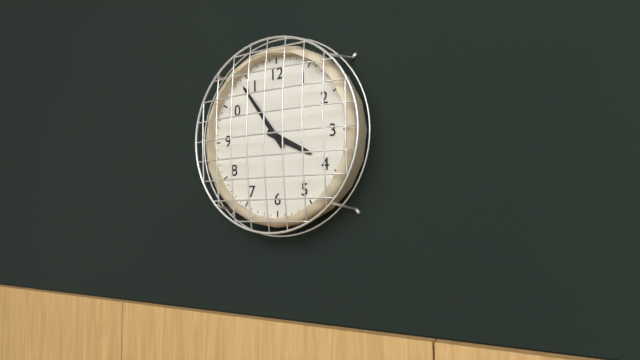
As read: 3h54
